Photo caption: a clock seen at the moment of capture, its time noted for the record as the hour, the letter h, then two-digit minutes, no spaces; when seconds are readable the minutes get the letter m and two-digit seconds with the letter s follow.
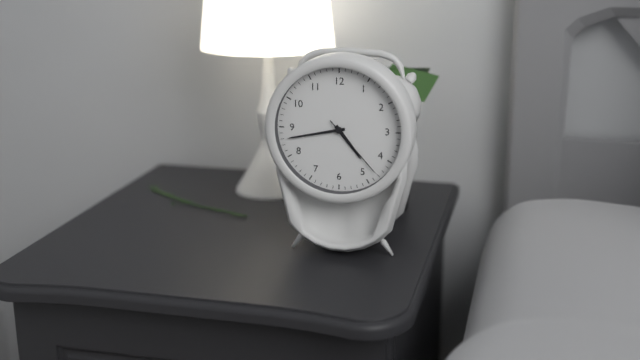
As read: 4h43m23s
